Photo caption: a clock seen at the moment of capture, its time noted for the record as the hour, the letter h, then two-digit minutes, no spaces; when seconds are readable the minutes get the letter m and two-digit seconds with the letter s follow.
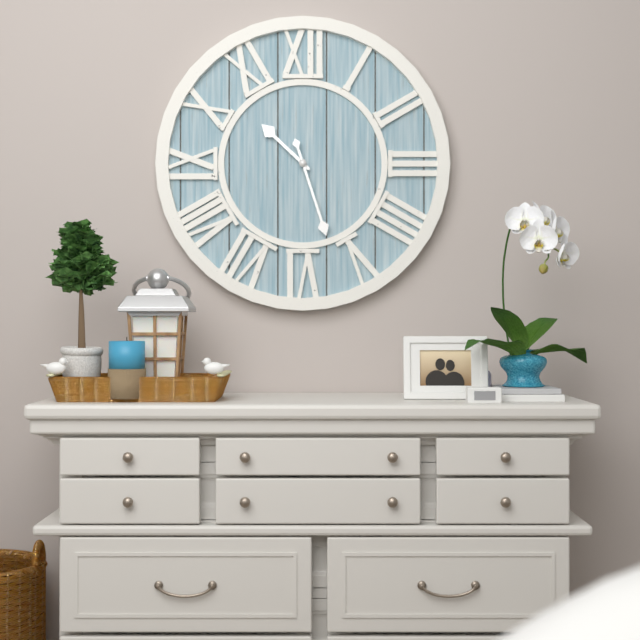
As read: 10h27
